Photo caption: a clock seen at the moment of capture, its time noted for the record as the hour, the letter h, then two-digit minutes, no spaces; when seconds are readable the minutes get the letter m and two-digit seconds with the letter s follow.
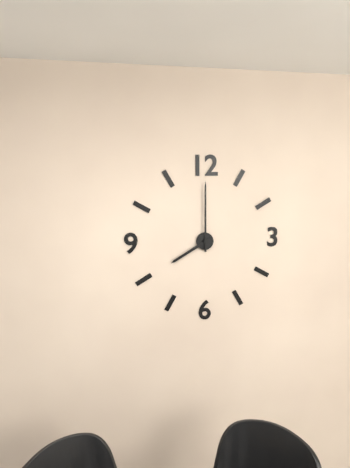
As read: 8h00
